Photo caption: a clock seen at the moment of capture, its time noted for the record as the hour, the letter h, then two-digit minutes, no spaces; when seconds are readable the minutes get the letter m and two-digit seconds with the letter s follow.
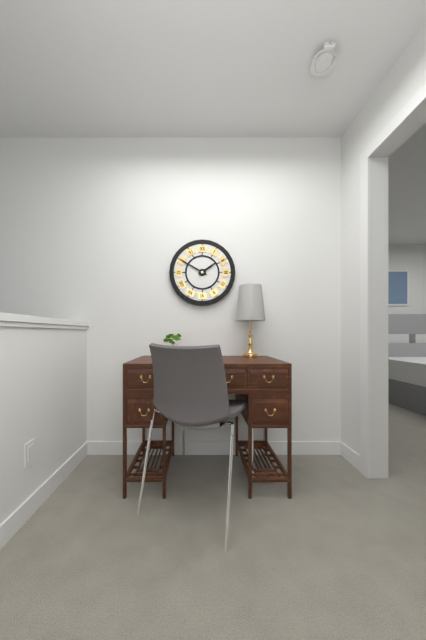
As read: 1h50
